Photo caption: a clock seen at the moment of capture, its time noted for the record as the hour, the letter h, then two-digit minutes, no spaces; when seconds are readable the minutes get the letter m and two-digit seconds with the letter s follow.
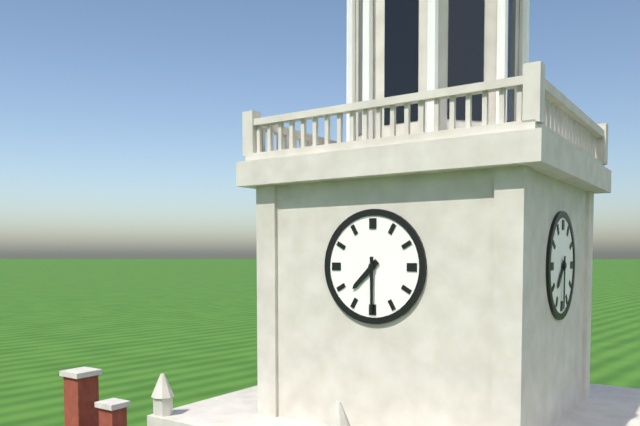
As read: 7h30
